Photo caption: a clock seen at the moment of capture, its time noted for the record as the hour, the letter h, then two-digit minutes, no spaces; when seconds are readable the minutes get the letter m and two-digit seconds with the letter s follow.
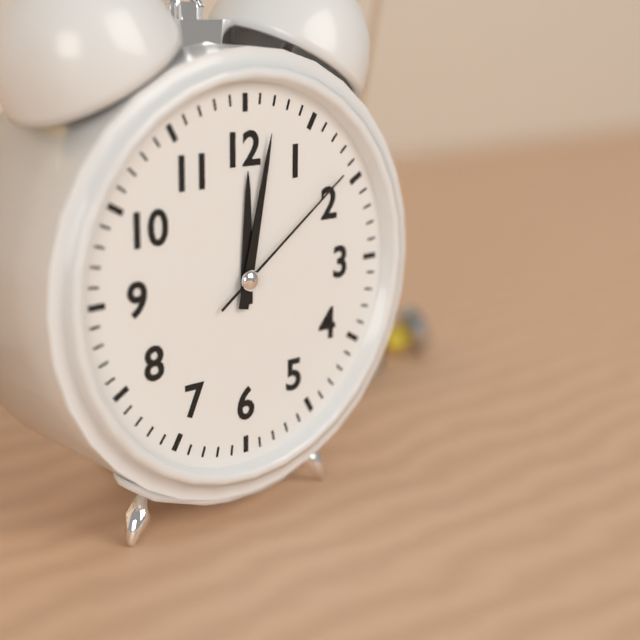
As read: 12h02m09s
